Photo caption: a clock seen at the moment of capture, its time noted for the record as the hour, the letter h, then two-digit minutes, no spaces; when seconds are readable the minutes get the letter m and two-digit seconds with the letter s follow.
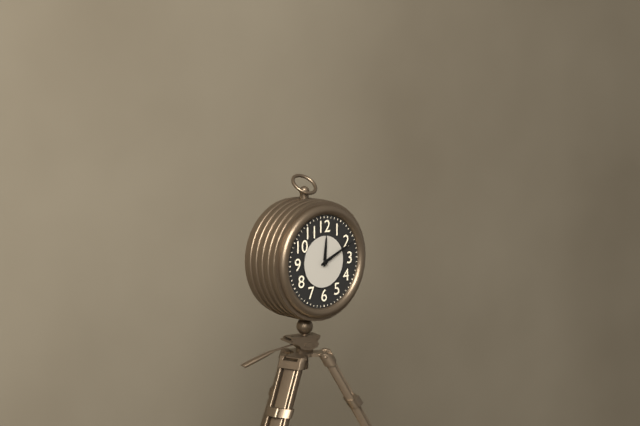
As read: 12h11
